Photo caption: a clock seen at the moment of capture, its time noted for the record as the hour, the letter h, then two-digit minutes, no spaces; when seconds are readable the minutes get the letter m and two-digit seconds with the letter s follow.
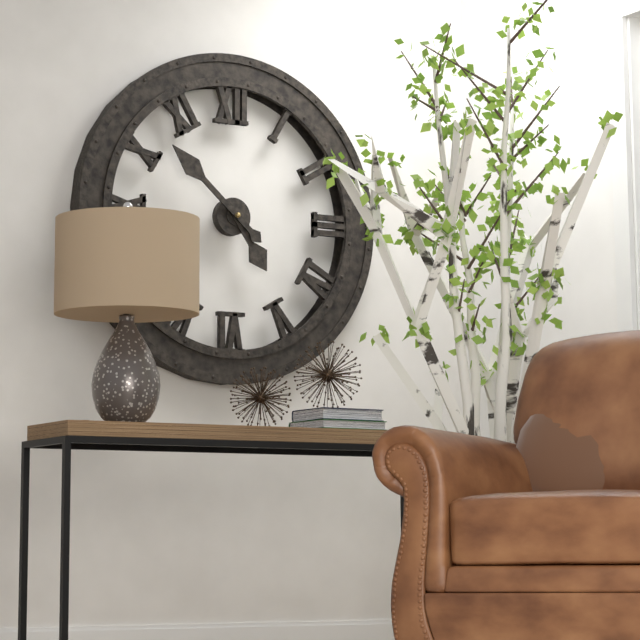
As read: 4h52
